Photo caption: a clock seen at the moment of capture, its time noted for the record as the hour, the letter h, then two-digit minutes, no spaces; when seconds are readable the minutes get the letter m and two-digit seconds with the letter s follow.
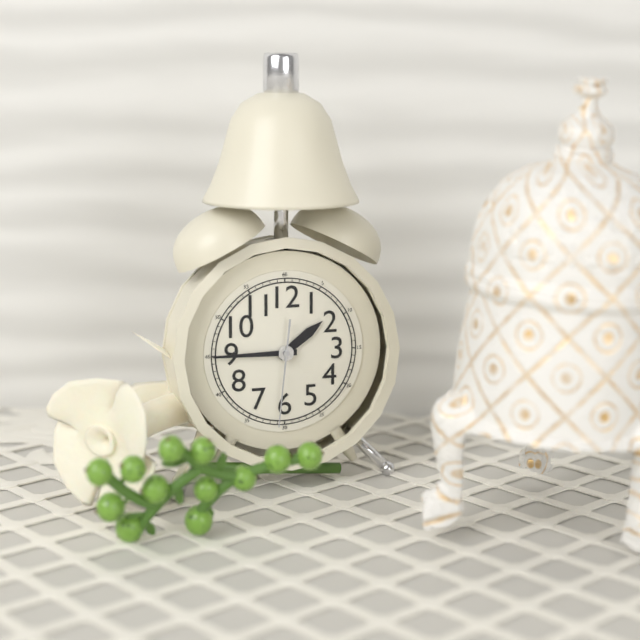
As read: 1h45m31s
